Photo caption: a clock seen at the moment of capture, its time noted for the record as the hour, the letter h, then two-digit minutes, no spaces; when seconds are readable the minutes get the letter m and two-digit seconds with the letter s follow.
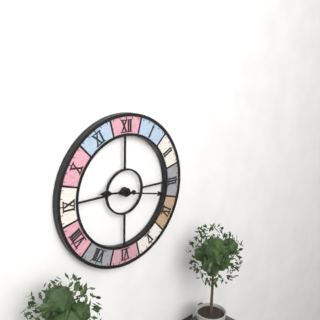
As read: 9h17
